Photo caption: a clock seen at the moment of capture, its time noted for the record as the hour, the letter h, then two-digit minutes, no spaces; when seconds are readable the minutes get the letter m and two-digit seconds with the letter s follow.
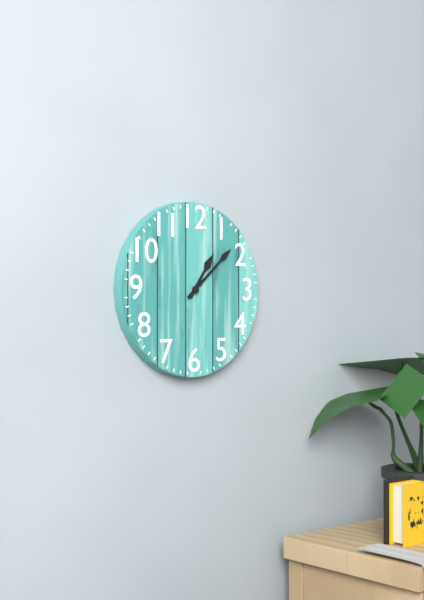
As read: 1h08
